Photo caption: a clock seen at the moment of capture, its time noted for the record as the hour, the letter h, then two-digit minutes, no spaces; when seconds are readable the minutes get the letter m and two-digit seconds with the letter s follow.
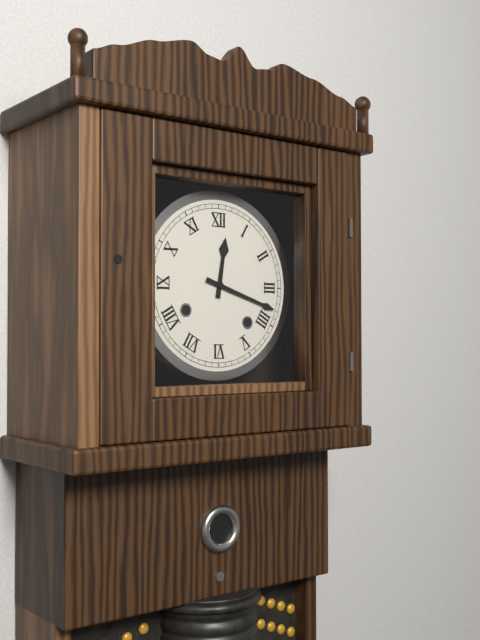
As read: 12h18
